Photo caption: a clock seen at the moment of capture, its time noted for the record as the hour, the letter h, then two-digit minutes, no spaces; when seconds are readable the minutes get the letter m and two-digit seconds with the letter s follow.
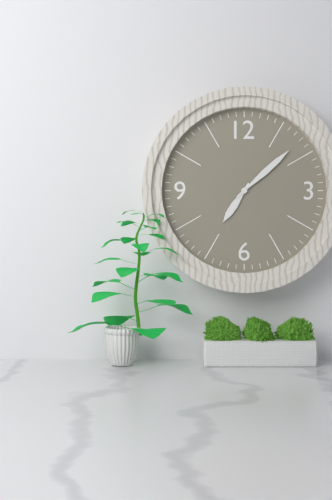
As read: 7h08
